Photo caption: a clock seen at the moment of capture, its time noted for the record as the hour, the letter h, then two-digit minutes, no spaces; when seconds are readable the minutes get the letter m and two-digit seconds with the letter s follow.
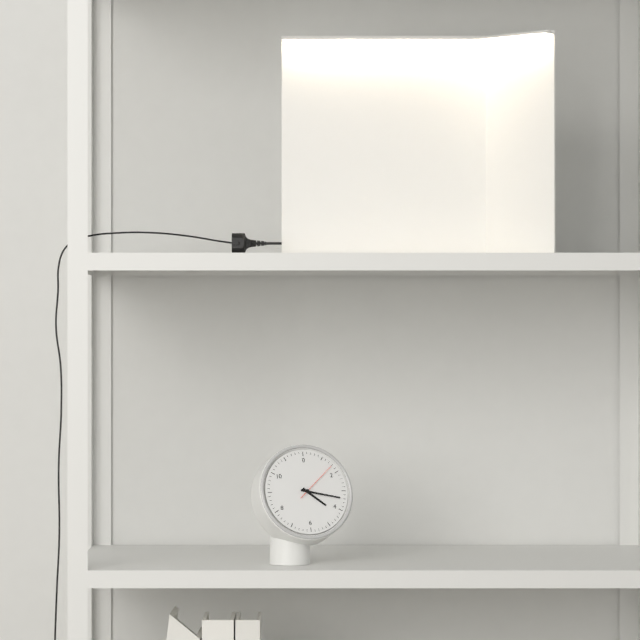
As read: 4h17
